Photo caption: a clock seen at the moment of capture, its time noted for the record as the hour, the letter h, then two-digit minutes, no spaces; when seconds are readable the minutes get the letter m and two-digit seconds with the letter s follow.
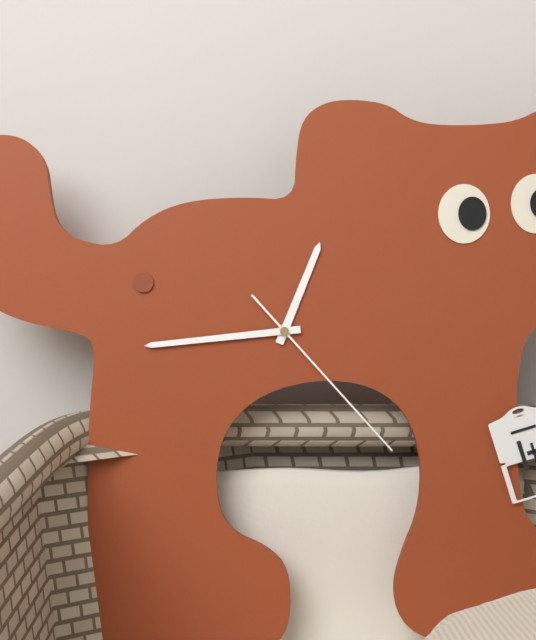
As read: 12h44m23s
